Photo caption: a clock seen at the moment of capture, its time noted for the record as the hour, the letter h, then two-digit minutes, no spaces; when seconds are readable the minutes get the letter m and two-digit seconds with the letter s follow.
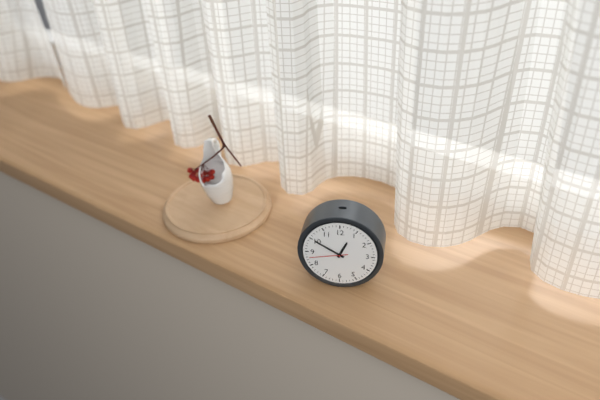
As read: 12h50
